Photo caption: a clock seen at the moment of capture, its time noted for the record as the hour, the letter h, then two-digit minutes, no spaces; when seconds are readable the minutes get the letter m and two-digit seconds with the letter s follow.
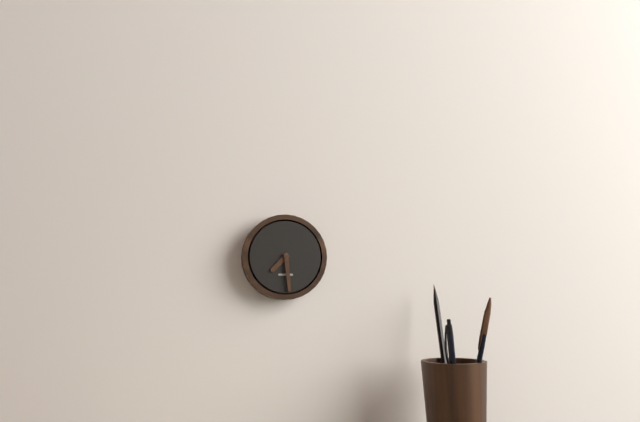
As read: 7h29
